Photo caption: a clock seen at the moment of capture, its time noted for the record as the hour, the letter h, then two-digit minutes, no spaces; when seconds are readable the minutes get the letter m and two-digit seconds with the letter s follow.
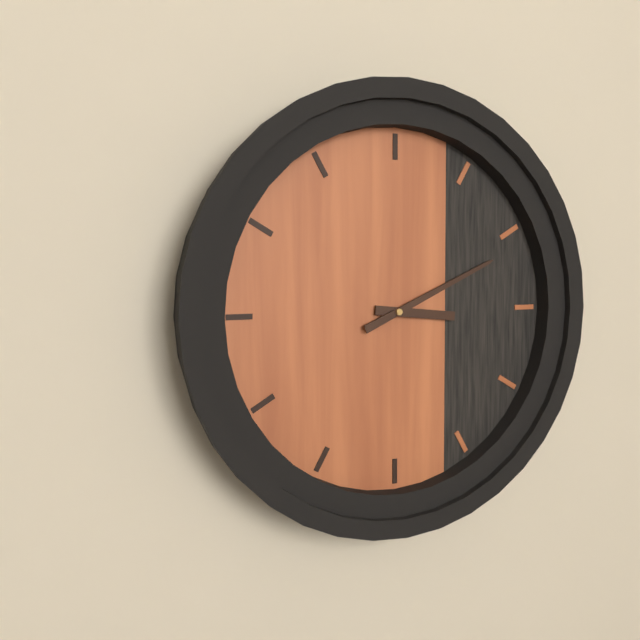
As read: 3h11
